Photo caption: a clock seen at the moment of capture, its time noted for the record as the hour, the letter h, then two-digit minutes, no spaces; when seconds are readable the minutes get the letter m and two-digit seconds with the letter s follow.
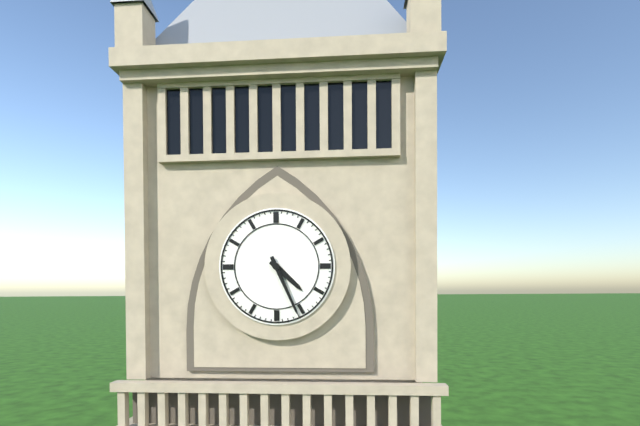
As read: 4h26
